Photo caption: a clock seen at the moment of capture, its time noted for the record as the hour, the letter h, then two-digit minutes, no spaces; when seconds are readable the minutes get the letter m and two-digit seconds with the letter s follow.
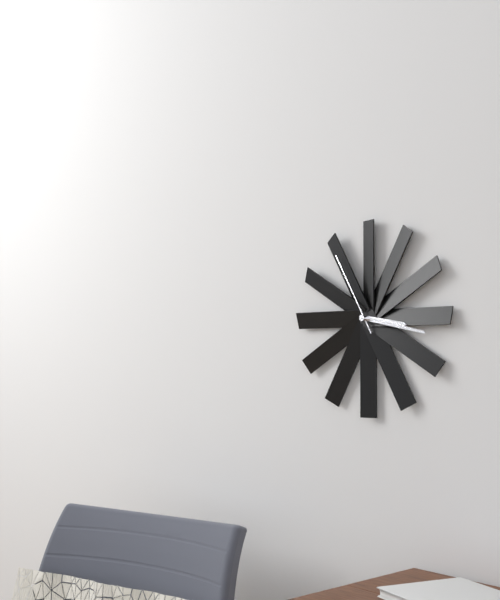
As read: 3h17m55s
